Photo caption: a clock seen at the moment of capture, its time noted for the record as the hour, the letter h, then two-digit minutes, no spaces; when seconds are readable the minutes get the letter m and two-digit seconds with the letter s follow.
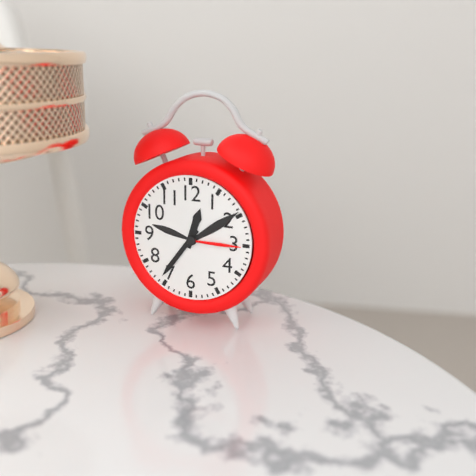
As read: 12h36
